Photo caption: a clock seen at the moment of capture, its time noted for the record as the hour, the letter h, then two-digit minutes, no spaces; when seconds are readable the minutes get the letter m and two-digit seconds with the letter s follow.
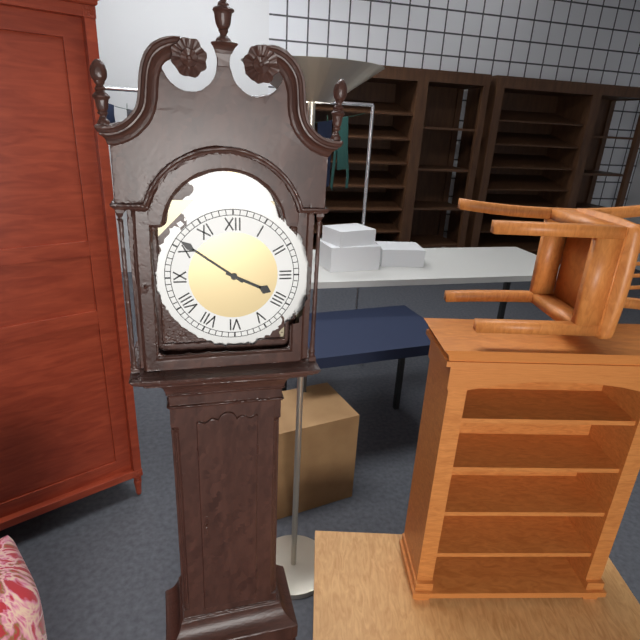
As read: 3h51
